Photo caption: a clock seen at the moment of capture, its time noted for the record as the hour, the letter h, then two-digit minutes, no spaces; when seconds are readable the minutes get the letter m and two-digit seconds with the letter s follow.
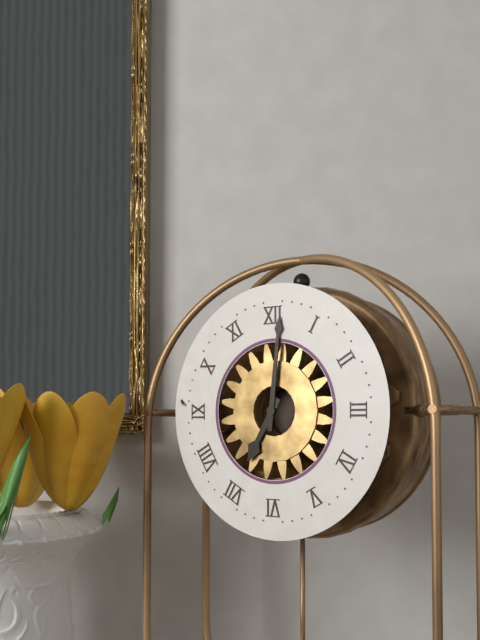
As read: 7h01
